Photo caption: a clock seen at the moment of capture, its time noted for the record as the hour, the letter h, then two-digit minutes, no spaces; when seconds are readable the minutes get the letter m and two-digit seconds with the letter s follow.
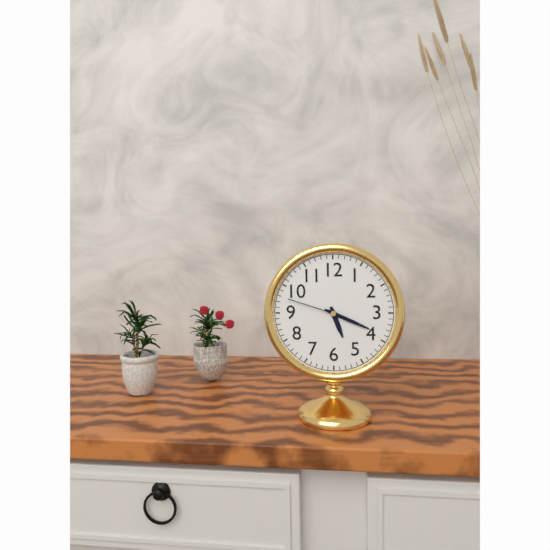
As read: 5h19m48s
